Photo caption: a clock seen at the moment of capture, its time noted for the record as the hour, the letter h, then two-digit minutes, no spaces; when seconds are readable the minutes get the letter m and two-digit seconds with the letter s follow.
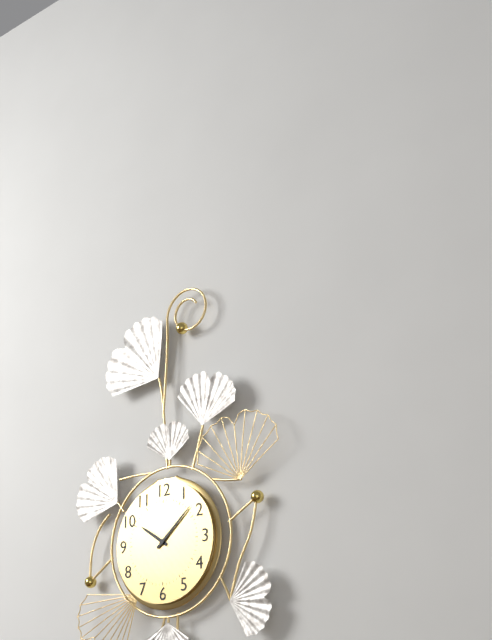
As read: 10h08
